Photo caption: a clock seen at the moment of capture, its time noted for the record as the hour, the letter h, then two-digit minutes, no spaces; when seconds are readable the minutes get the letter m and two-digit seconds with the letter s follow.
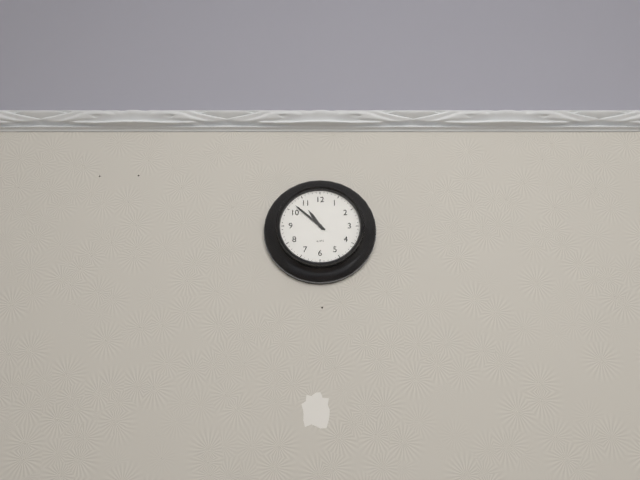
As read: 10h52
